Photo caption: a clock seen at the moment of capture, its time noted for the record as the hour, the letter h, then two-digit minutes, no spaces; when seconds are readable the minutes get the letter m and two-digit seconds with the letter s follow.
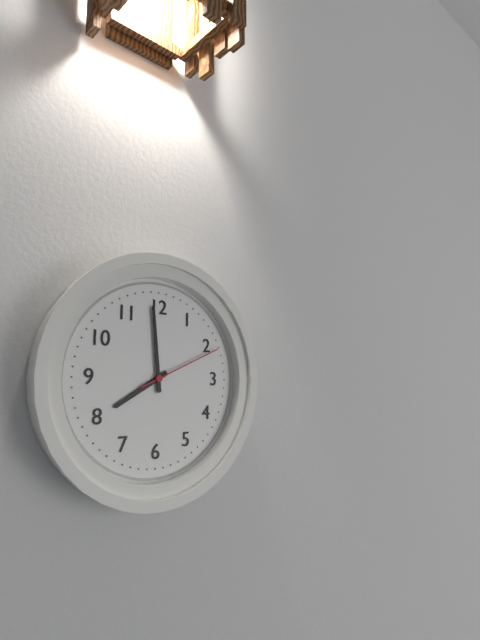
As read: 7h59m11s
